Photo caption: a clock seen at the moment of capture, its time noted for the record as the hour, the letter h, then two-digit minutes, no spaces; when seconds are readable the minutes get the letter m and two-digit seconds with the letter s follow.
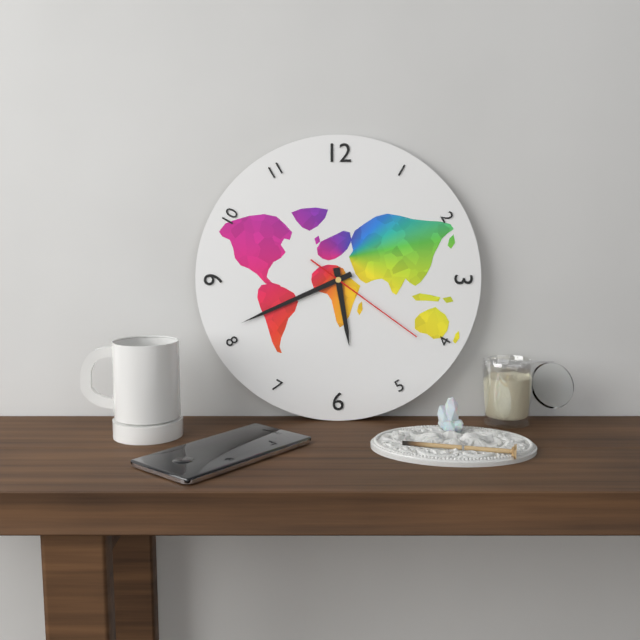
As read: 5h41m21s
